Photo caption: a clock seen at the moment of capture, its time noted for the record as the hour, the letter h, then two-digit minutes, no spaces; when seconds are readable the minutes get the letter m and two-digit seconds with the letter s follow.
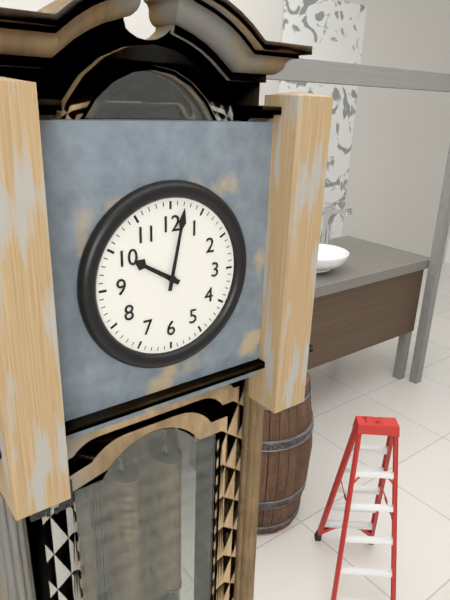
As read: 10h02
